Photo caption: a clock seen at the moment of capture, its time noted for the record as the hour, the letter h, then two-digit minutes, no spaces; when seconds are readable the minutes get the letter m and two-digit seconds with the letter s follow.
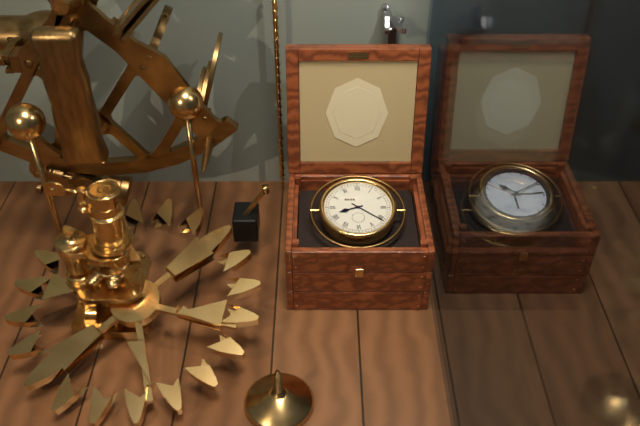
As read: 8h21
